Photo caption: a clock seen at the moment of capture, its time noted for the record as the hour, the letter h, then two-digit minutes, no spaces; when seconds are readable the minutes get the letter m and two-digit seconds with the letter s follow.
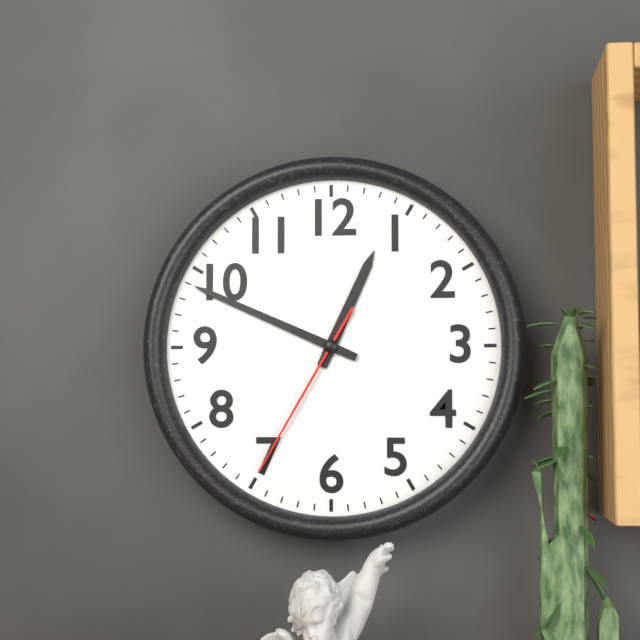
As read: 12h49m35s
